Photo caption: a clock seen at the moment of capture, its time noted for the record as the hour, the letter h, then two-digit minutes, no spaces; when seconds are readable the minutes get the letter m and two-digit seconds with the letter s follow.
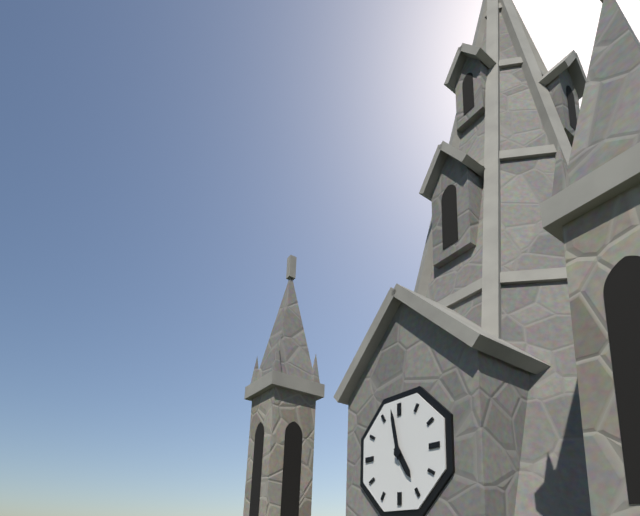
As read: 4h58
